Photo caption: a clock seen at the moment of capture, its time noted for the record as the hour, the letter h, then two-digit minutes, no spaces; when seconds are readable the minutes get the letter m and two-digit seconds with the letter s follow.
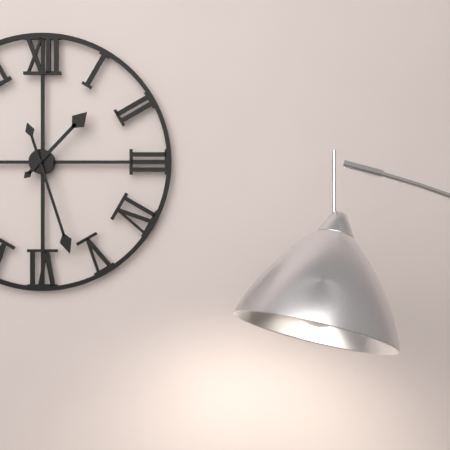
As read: 1h27
